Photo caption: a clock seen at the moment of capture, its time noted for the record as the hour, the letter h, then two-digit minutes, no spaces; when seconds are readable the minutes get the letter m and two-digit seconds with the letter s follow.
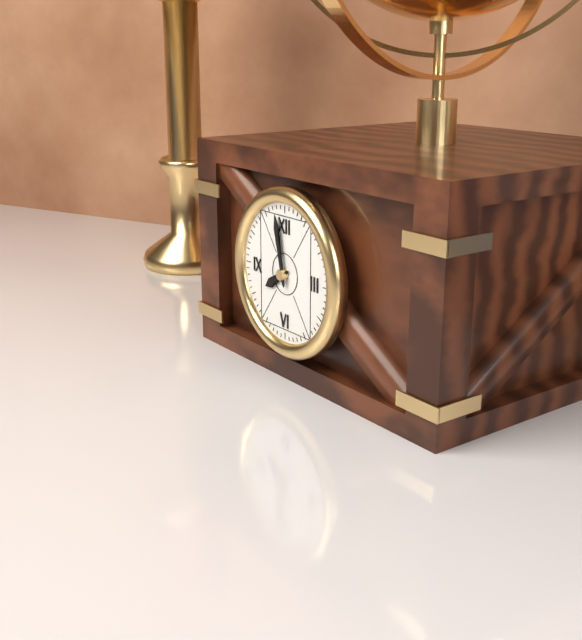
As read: 7h58
